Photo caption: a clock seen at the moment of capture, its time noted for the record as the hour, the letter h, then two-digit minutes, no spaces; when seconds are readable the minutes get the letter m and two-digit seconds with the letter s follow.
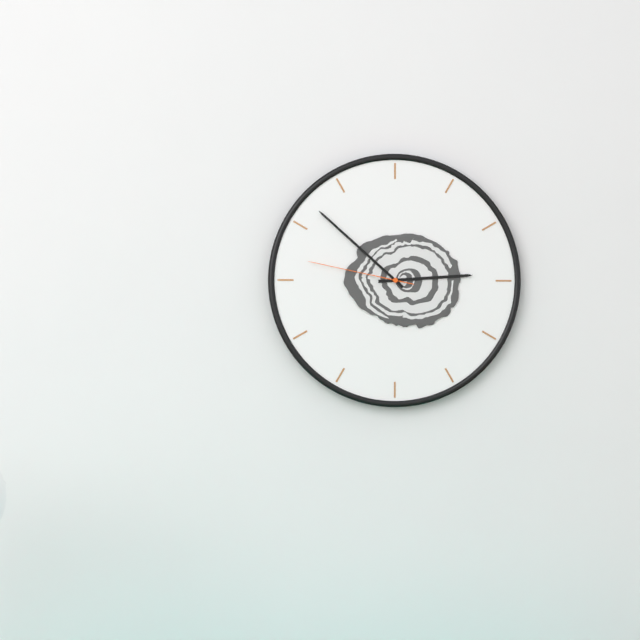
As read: 2h52m47s
